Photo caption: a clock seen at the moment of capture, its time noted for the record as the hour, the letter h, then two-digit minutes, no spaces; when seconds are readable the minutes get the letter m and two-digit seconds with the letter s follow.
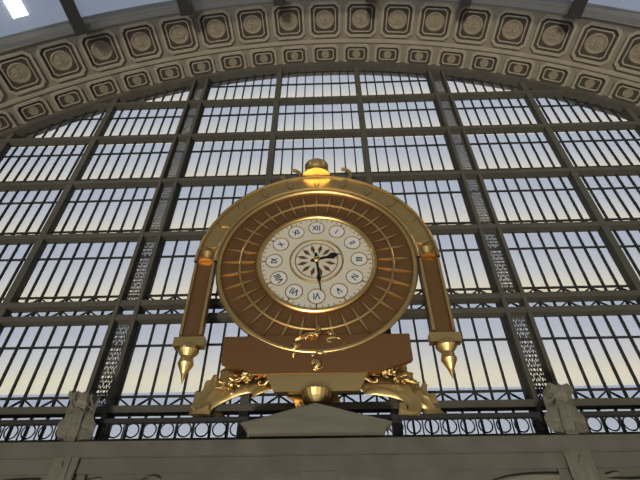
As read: 2h29
